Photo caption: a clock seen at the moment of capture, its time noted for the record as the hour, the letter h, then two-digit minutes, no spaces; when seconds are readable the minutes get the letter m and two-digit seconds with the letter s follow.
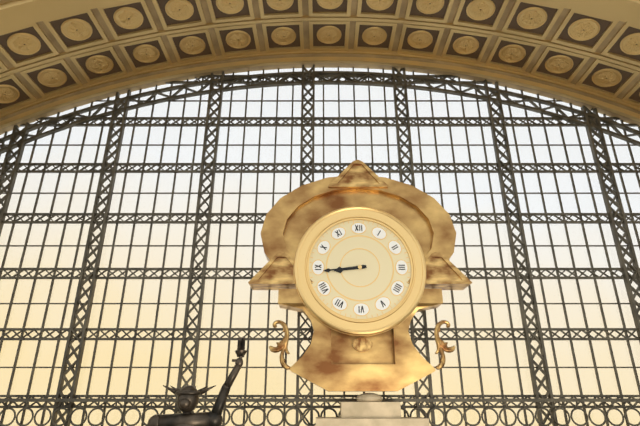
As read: 8h44
